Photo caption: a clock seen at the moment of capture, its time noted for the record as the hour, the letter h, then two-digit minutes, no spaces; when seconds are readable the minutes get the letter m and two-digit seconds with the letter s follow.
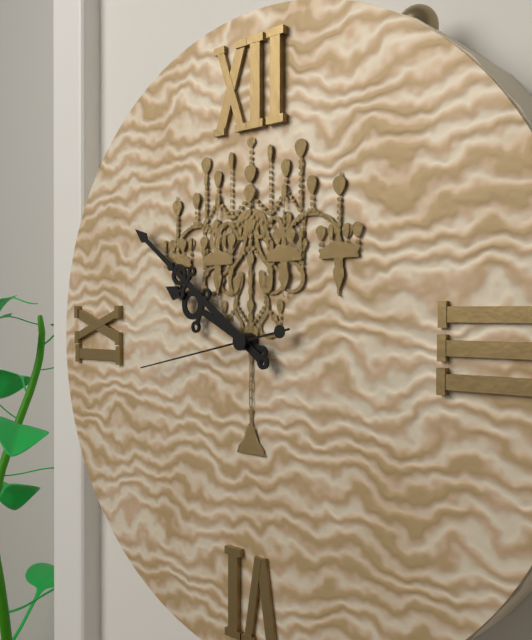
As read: 9h51m43s
